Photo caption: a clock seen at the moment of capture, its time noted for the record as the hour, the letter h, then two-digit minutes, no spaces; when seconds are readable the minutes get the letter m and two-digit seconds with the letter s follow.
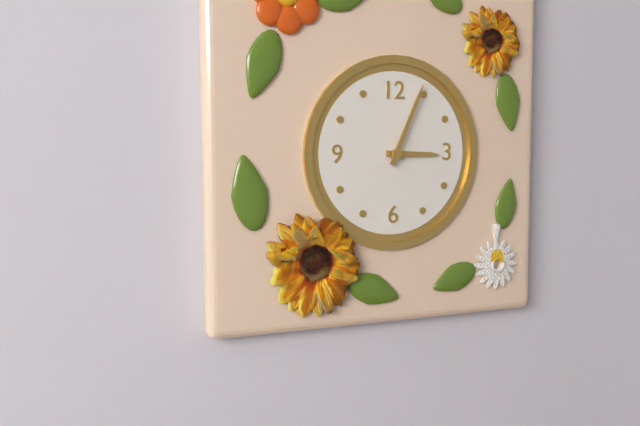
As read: 3h04
